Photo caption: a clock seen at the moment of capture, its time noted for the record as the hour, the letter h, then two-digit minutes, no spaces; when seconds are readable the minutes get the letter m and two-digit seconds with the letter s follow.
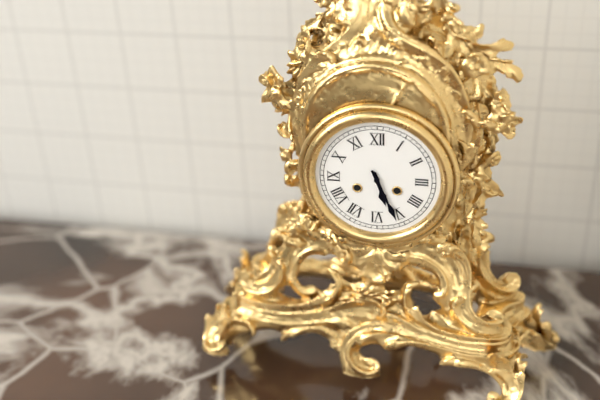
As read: 5h26
